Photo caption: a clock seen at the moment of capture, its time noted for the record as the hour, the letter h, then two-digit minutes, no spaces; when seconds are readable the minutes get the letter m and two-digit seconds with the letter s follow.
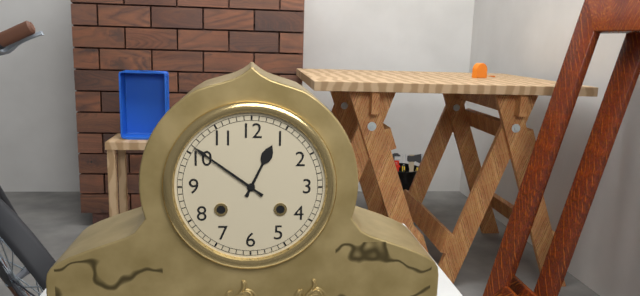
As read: 12h51
